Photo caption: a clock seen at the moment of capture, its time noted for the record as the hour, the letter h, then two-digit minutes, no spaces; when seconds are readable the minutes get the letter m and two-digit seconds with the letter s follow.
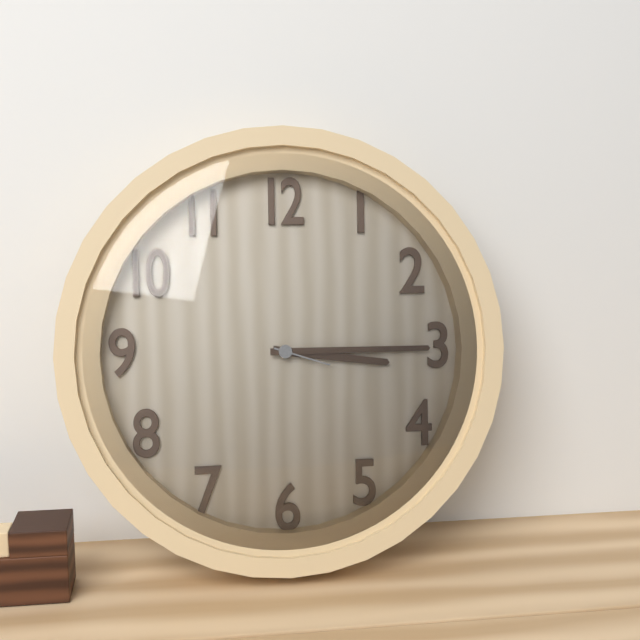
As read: 3h15m18s
